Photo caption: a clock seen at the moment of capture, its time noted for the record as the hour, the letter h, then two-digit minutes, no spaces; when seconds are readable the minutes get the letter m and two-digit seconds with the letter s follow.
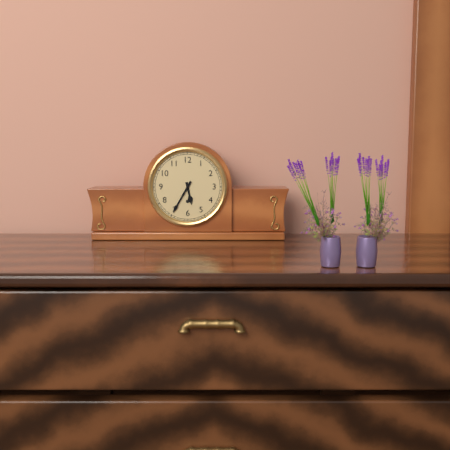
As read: 5h35
